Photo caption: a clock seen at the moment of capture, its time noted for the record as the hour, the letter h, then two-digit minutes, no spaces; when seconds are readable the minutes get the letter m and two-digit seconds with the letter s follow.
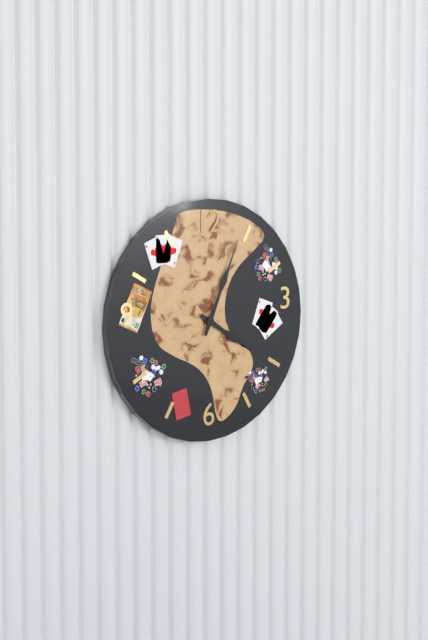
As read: 4h04
